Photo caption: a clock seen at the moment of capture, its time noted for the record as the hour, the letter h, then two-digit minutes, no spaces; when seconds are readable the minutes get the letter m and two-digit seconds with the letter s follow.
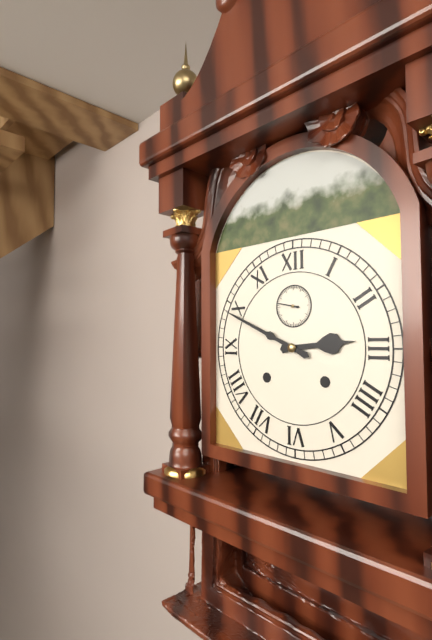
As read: 2h49
